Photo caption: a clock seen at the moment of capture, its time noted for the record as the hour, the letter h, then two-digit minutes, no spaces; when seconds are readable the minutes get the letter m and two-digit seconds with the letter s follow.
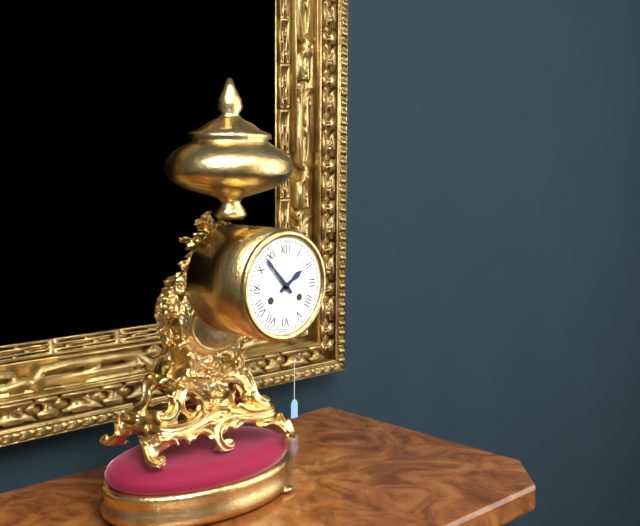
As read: 1h53
